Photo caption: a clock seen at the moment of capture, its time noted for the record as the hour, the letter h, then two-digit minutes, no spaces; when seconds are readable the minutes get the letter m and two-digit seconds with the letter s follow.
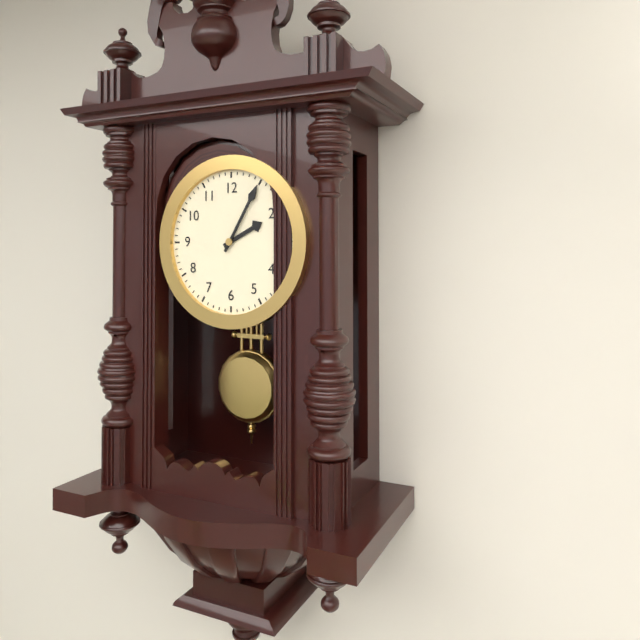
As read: 2h05
